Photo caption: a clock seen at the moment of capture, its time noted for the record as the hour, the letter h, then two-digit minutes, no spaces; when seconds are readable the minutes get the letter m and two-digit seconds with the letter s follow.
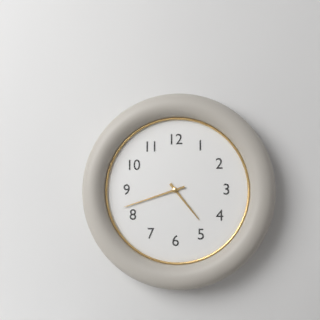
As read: 4h42
